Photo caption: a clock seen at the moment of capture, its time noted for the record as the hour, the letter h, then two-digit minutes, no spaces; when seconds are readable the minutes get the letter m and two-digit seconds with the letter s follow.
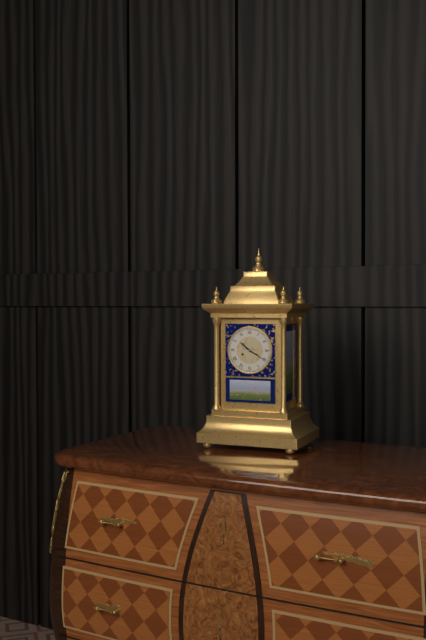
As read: 10h20
